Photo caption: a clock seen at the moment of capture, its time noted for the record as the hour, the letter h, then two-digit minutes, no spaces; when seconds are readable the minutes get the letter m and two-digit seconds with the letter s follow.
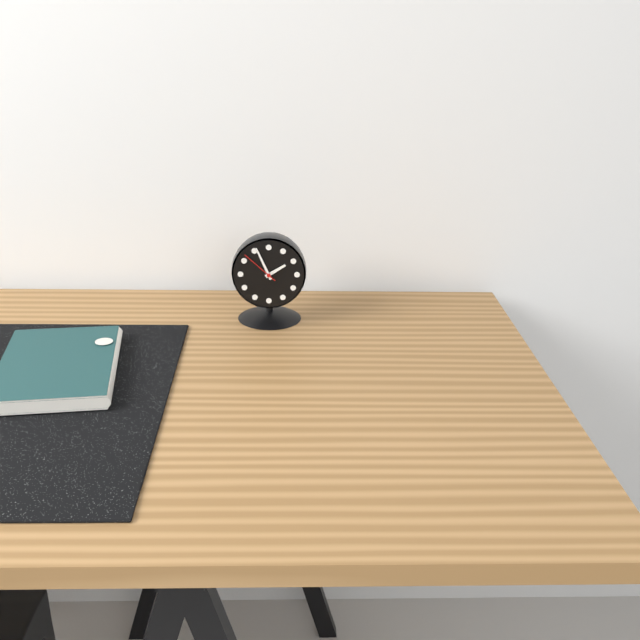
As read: 1h56
